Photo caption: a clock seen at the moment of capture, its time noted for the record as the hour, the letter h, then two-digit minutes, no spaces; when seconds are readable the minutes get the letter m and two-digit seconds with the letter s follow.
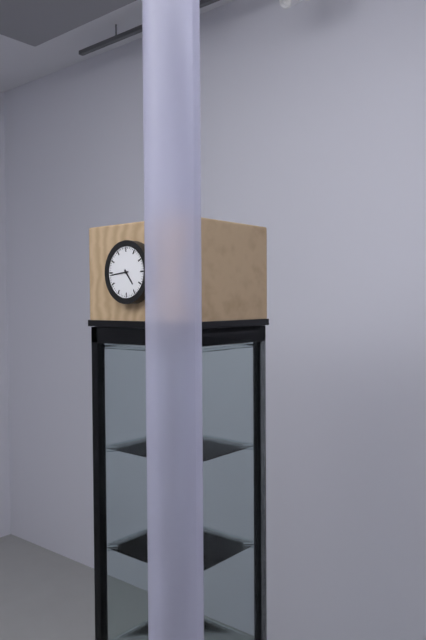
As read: 4h44
